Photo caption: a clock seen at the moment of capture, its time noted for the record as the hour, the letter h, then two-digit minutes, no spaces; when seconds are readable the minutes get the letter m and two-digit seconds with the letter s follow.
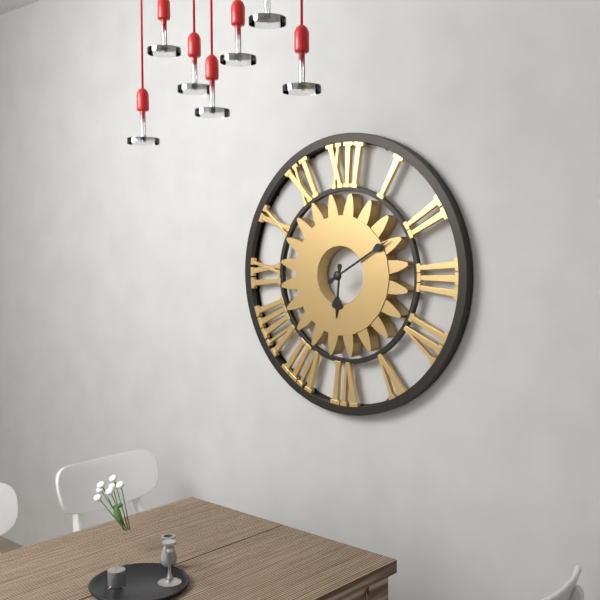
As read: 6h10
